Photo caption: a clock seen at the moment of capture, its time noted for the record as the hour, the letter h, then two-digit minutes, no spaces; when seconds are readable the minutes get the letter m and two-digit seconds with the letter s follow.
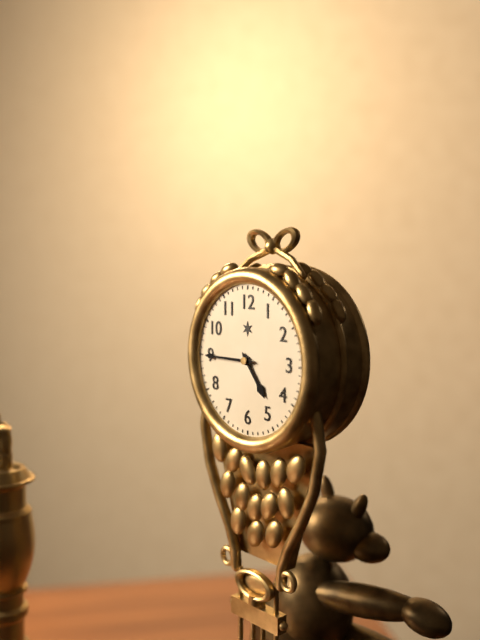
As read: 4h45
